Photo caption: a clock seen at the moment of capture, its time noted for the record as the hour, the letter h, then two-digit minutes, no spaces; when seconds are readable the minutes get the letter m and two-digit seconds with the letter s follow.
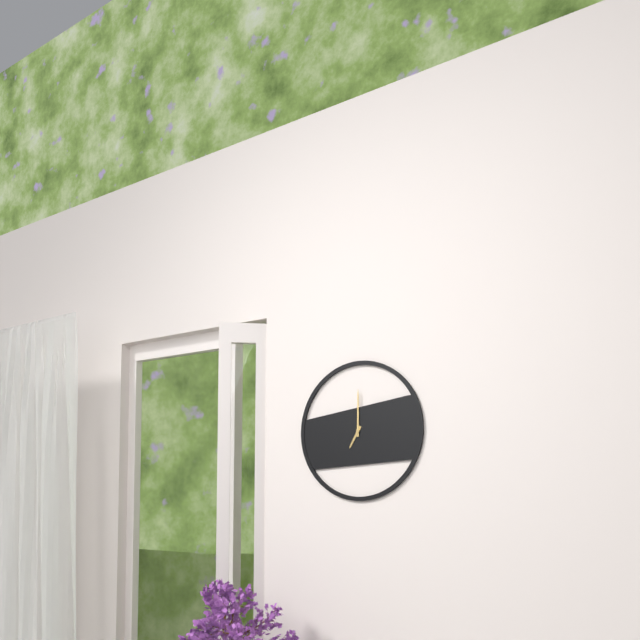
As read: 7h00
